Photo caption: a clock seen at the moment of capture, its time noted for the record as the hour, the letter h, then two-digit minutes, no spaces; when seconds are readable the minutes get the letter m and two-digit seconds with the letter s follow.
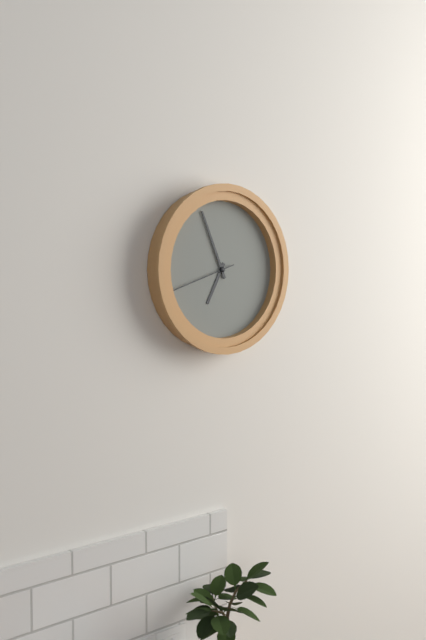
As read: 6h56m42s
